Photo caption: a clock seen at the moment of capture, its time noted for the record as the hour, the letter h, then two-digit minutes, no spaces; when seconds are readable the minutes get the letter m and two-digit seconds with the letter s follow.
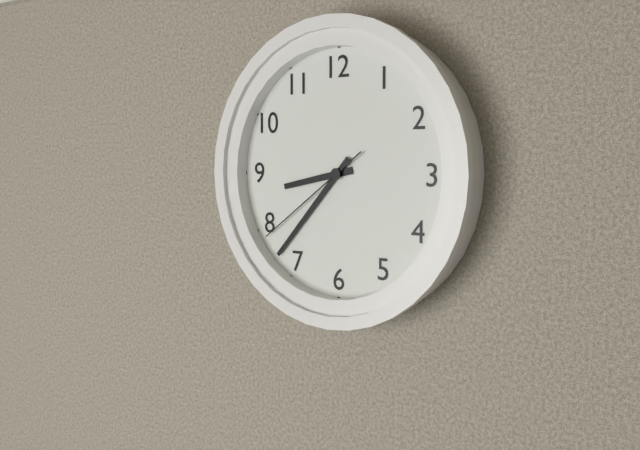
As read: 8h37m39s
